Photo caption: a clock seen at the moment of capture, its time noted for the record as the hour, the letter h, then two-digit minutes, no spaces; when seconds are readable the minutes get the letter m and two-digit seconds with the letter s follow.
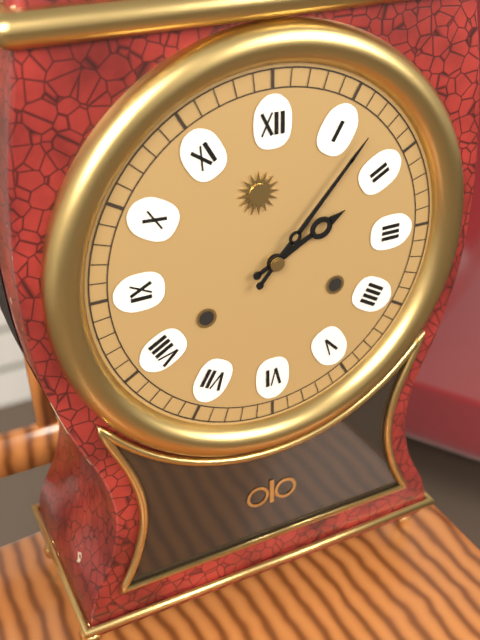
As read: 2h07
